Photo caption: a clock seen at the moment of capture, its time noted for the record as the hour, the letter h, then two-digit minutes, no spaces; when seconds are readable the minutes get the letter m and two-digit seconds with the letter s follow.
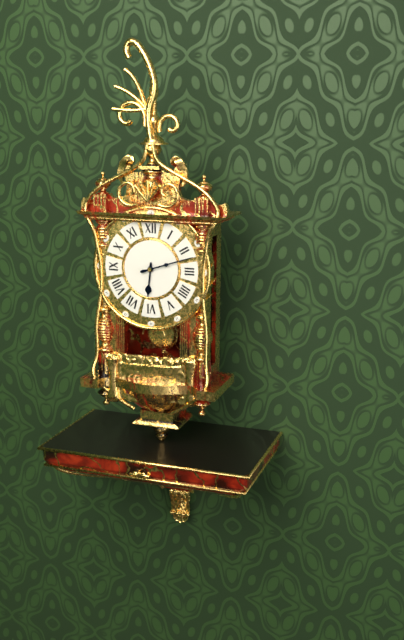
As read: 6h12
